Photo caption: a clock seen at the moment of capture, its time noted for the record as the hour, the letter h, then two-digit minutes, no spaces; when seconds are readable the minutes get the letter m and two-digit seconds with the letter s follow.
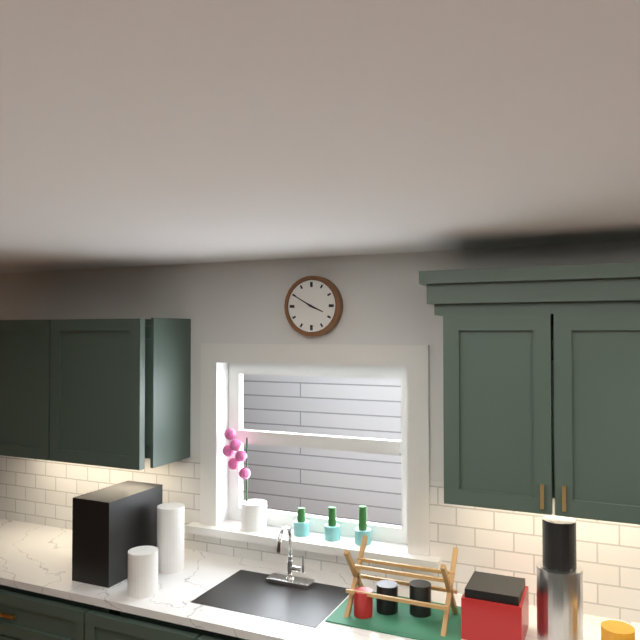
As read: 3h50
